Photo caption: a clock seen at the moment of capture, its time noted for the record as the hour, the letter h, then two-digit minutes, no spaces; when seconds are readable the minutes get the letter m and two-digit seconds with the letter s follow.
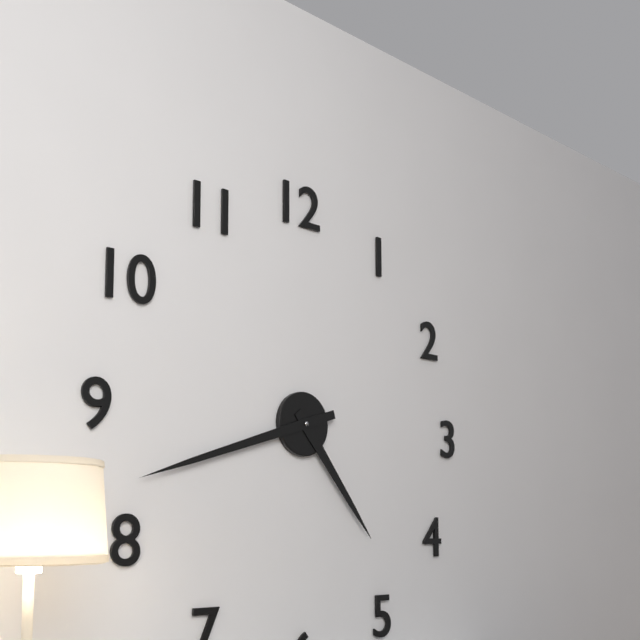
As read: 4h42
